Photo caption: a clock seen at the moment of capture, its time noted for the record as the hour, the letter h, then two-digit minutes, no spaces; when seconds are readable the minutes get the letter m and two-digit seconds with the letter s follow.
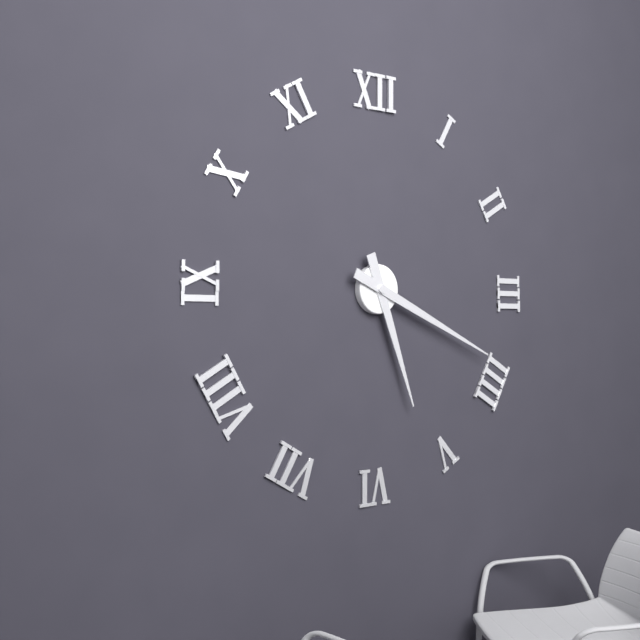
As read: 5h19
